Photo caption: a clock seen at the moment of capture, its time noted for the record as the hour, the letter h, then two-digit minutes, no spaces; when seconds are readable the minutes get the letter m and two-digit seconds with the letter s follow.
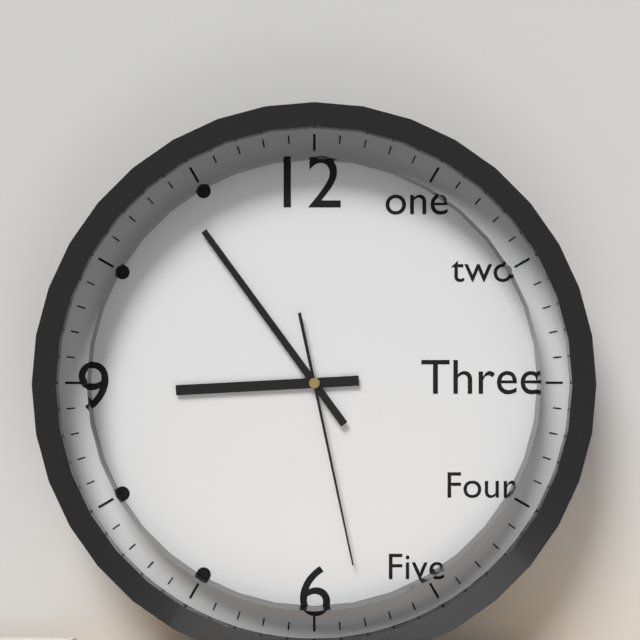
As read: 8h54m28s
